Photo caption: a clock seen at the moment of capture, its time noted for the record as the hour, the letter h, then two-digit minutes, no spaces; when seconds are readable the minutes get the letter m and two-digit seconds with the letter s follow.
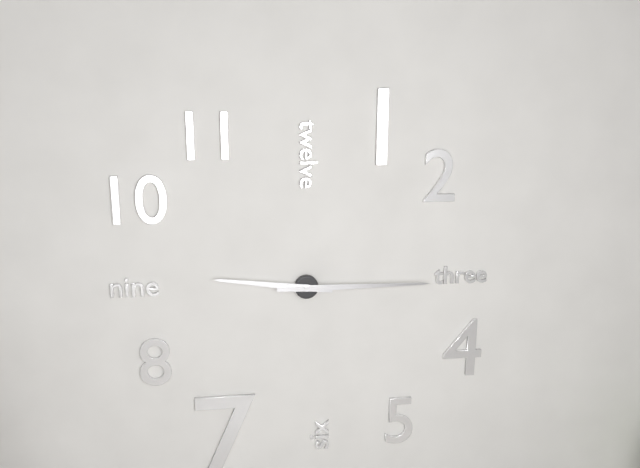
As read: 9h15
